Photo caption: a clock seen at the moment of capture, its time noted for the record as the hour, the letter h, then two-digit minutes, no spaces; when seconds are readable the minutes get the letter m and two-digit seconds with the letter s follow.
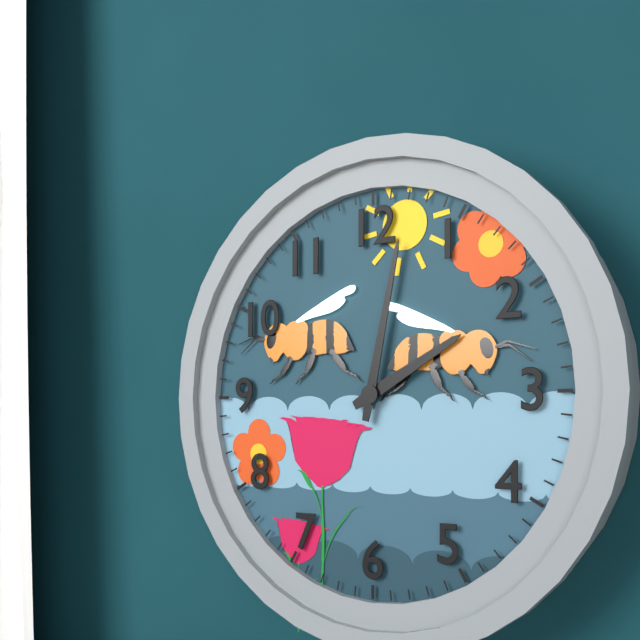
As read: 2h02
